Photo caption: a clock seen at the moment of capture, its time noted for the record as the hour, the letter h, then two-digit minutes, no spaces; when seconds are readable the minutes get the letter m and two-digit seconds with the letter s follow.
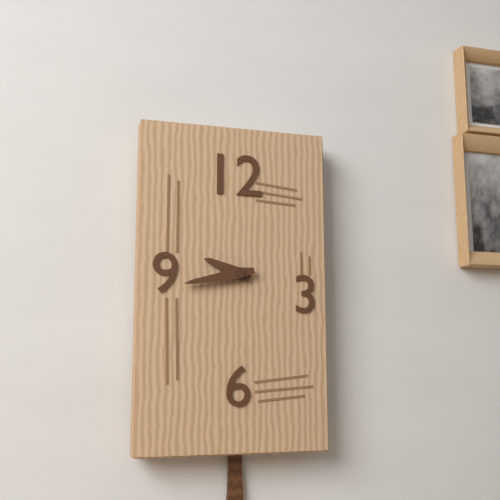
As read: 9h43
